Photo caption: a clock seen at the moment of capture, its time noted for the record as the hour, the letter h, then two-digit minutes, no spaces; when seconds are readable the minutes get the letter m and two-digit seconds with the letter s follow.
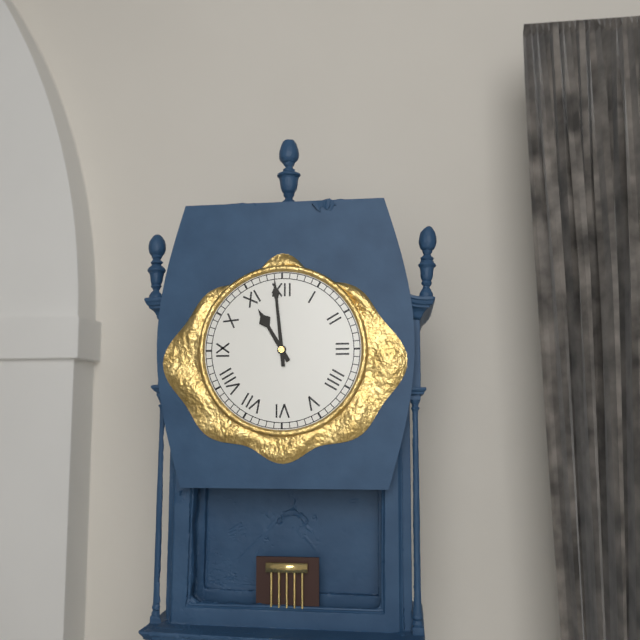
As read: 10h59
